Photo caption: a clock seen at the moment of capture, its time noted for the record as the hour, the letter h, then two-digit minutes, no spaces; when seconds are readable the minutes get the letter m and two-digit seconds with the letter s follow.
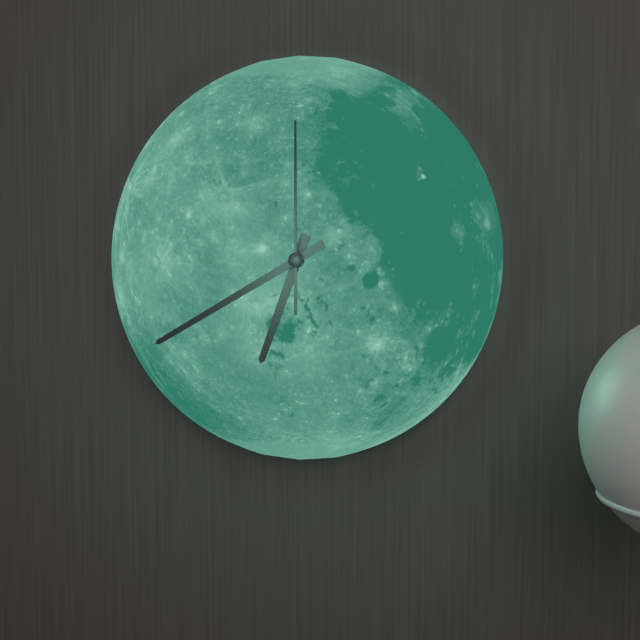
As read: 6h40m00s
